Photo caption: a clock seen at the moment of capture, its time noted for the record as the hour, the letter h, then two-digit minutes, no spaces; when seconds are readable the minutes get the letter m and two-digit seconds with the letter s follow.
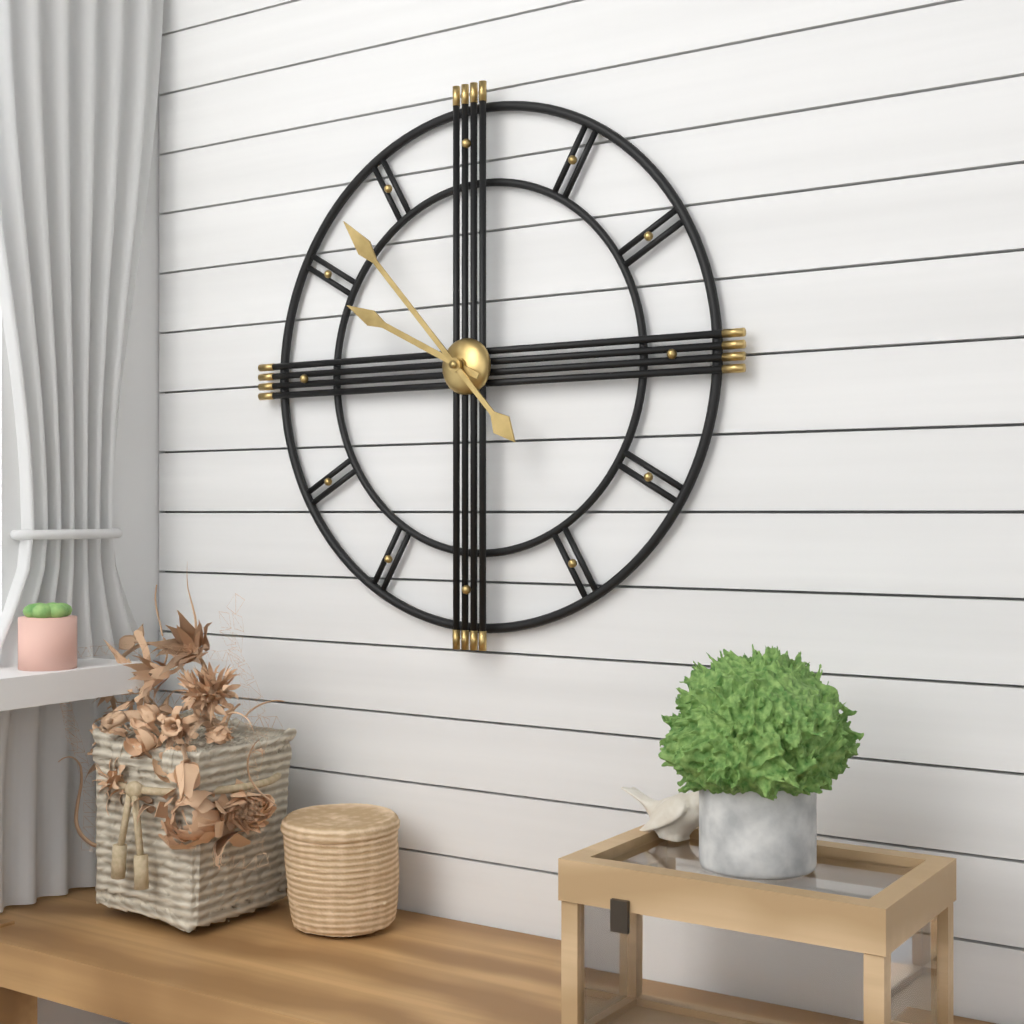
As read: 9h53
